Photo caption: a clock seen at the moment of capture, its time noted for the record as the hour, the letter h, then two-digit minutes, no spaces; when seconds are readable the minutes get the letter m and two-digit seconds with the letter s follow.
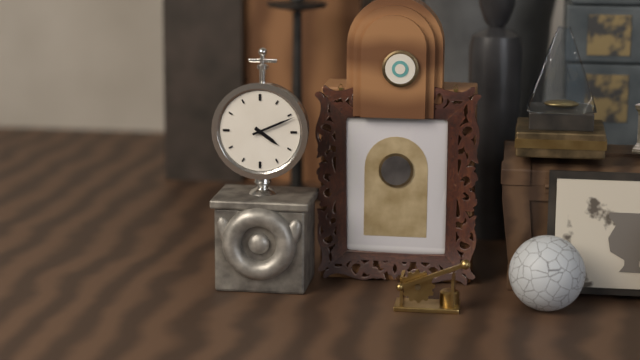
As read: 4h11
